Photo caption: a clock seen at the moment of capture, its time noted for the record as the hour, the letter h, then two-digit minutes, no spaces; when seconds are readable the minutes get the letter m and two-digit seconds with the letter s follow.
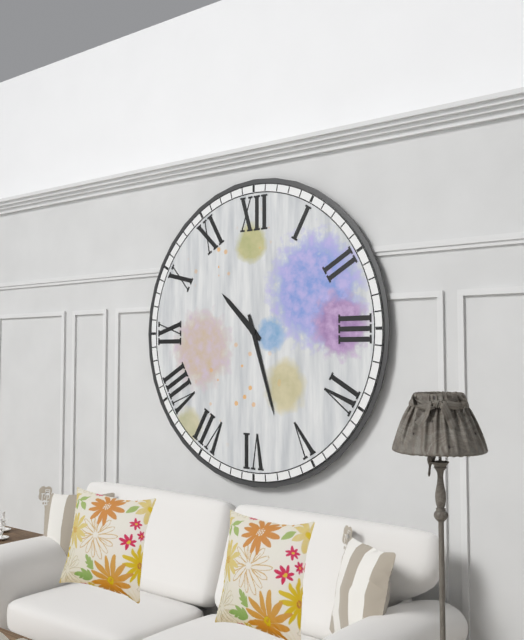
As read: 10h27
